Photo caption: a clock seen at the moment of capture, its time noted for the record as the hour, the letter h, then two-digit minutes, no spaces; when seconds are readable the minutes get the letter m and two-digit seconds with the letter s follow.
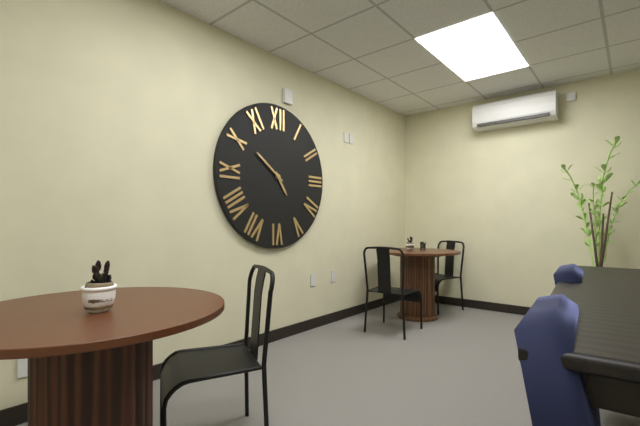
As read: 4h51
